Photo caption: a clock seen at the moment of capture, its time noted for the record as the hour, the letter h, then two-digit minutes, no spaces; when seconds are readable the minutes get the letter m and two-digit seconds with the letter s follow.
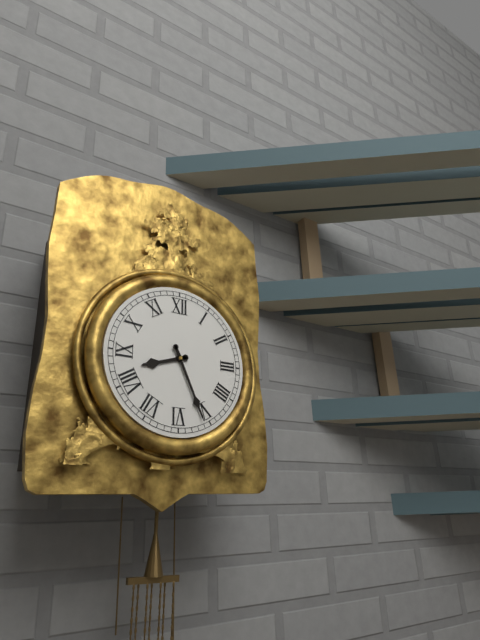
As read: 8h26
